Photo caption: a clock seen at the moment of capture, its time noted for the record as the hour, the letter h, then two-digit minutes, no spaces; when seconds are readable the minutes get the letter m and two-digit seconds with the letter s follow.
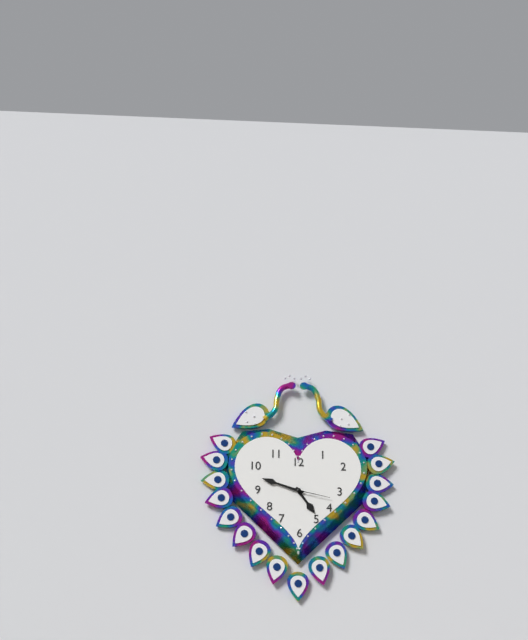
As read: 4h48
